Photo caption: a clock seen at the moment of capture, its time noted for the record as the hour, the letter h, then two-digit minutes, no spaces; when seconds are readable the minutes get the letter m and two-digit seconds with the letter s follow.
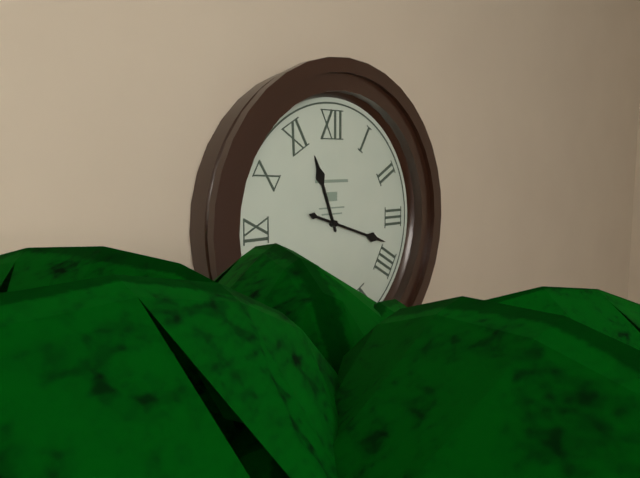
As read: 11h18
